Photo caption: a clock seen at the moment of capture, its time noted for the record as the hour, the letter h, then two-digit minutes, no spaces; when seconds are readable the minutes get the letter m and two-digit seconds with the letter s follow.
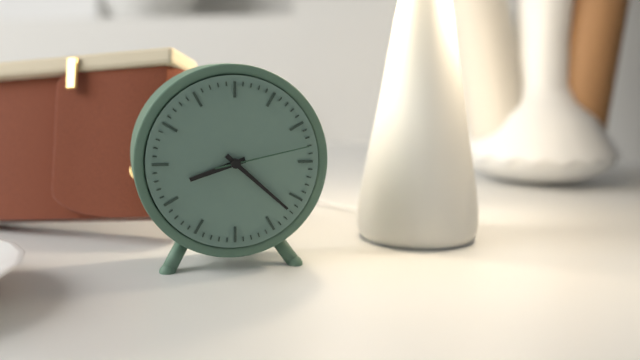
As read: 8h22m13s
